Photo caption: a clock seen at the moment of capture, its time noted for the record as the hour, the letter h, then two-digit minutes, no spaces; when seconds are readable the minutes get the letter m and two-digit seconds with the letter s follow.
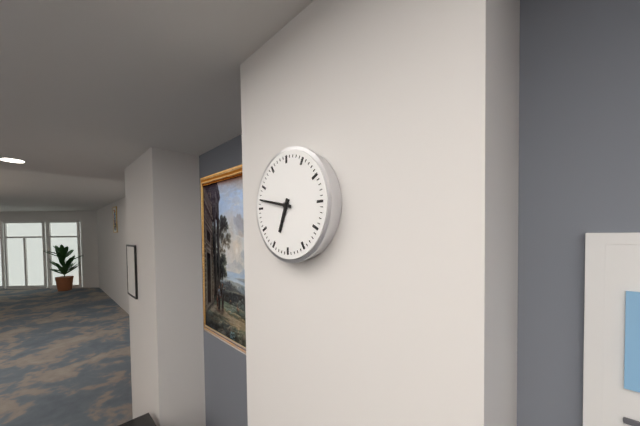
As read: 6h47
